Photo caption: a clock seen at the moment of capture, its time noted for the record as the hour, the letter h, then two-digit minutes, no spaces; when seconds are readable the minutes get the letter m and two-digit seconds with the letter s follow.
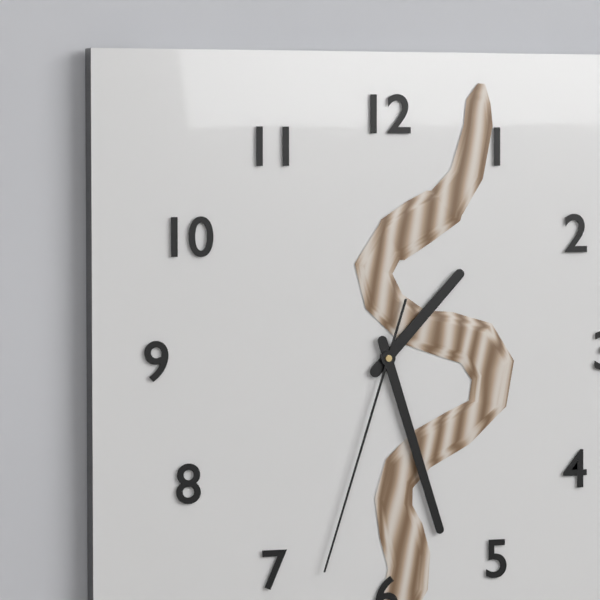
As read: 1h27m33s
